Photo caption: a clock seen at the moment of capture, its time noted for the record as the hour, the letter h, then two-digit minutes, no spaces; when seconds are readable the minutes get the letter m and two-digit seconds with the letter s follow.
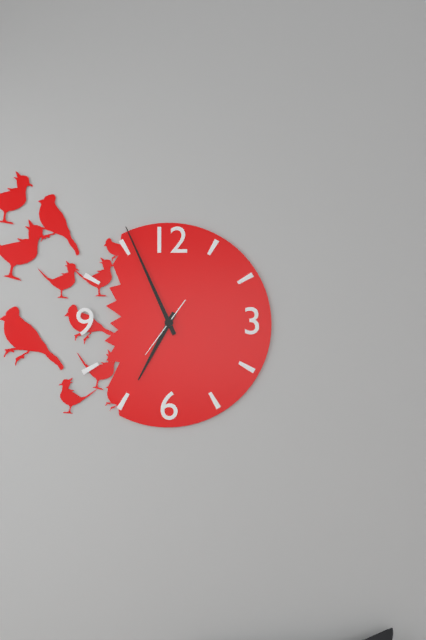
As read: 6h56
